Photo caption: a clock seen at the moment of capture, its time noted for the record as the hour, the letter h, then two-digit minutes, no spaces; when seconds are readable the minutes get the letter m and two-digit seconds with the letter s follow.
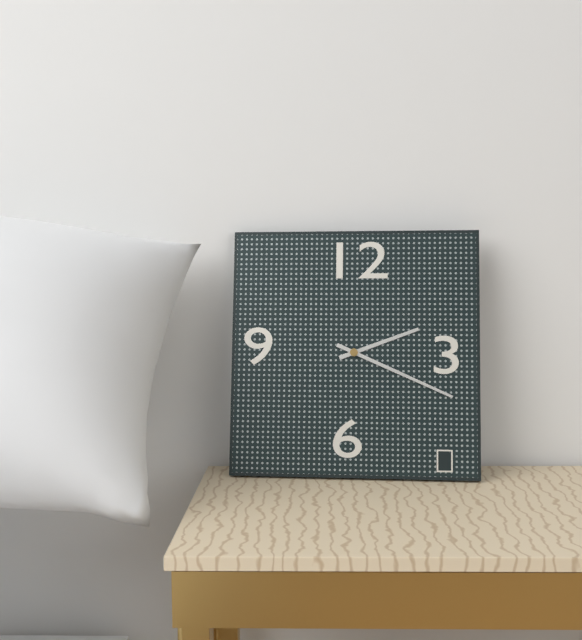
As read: 2h19
